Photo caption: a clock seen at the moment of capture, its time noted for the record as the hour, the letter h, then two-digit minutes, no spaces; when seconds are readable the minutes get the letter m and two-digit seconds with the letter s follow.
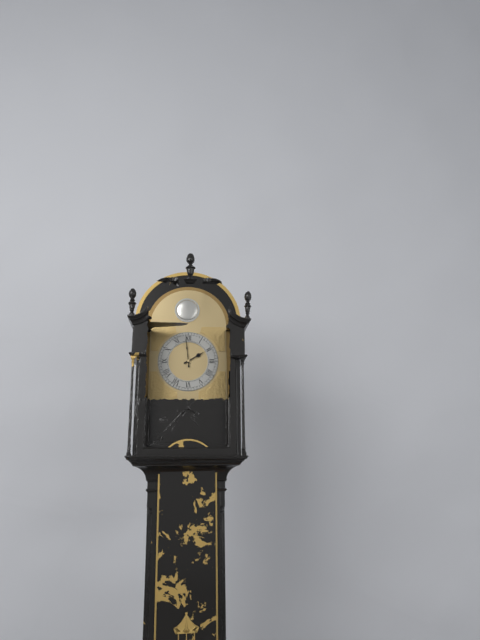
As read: 1h59
